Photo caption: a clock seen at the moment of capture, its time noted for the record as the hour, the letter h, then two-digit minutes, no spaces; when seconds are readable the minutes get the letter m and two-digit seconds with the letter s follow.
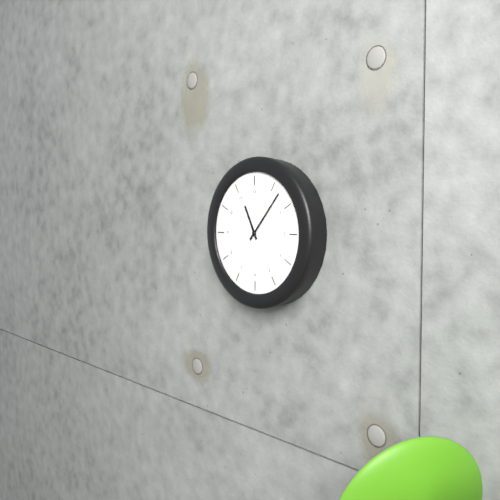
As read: 11h07
